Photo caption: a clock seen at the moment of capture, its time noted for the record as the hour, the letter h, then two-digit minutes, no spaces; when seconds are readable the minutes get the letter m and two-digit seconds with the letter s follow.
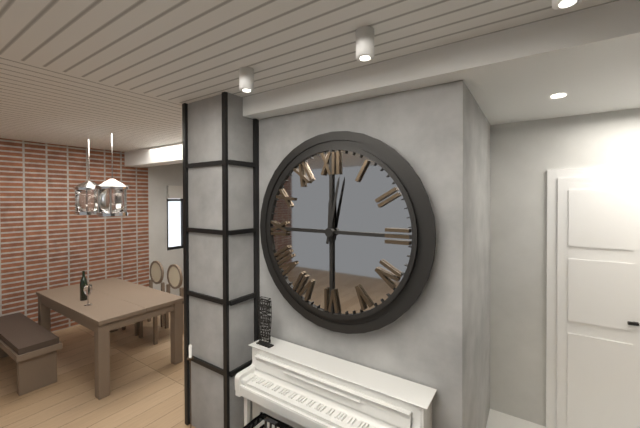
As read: 12h02
